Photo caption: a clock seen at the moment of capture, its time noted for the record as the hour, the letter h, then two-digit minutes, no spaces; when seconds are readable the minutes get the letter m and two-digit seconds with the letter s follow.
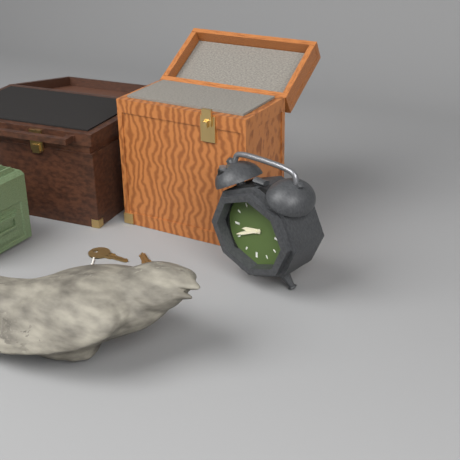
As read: 8h41
